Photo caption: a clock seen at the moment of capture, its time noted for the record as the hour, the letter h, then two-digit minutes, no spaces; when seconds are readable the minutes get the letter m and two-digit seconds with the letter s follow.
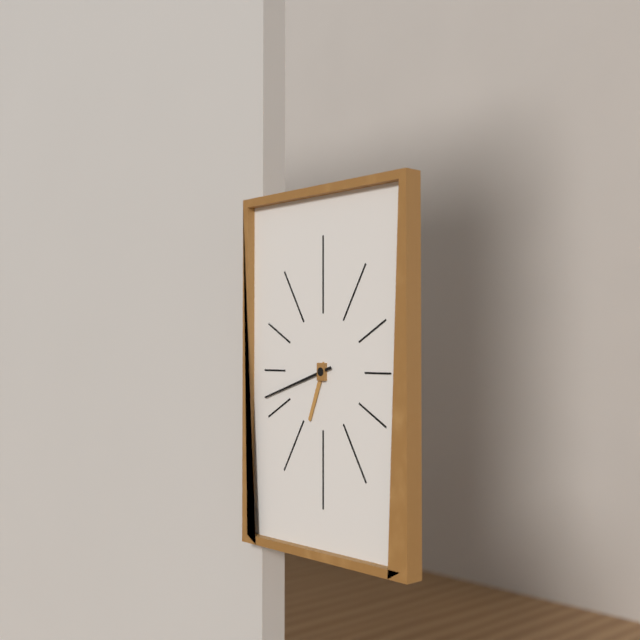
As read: 6h42
